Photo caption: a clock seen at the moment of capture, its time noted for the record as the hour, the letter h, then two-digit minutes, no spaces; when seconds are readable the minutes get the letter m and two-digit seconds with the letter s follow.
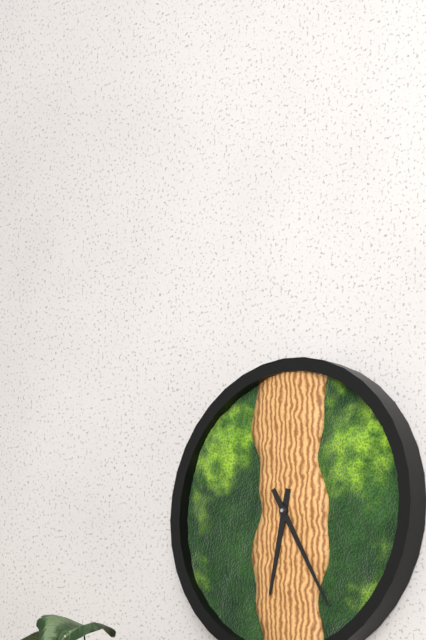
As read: 6h25
